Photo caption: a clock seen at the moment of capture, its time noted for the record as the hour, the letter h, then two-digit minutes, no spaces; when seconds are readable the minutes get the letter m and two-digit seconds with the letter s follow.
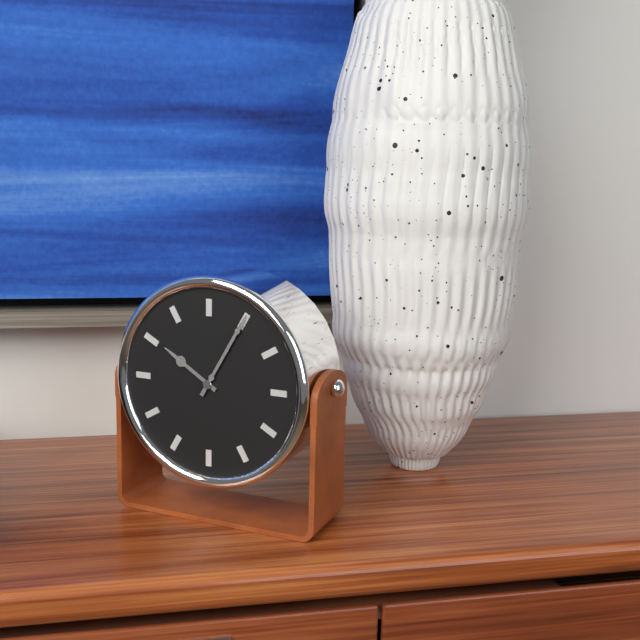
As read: 10h05
